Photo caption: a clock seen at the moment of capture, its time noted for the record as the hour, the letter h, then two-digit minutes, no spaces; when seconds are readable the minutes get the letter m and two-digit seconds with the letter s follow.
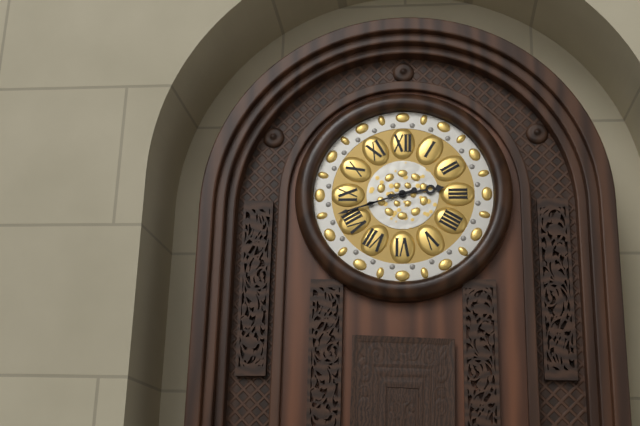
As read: 2h42
